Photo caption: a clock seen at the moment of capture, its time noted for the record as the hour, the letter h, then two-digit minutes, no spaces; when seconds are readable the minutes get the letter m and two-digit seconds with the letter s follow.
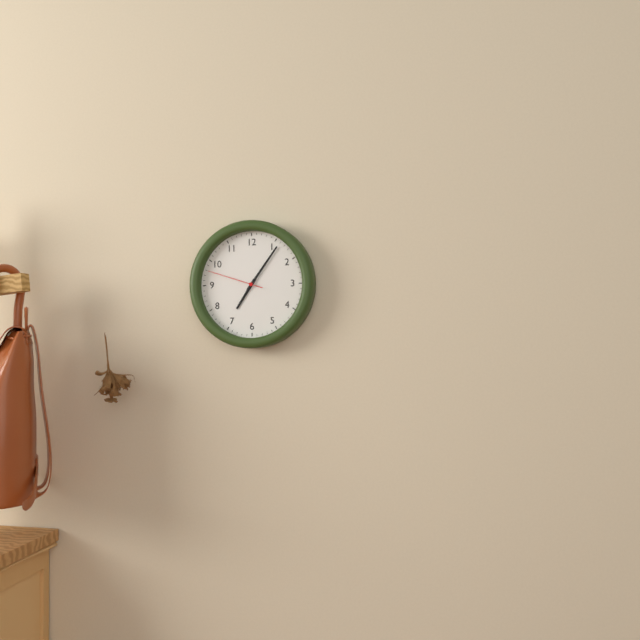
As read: 7h06m48s
